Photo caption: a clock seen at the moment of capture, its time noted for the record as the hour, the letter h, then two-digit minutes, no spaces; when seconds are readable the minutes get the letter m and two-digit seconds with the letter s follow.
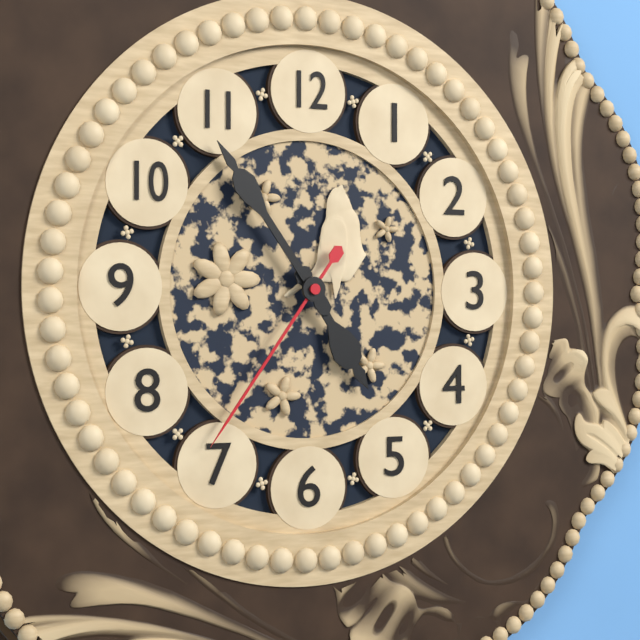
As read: 4h54m36s
